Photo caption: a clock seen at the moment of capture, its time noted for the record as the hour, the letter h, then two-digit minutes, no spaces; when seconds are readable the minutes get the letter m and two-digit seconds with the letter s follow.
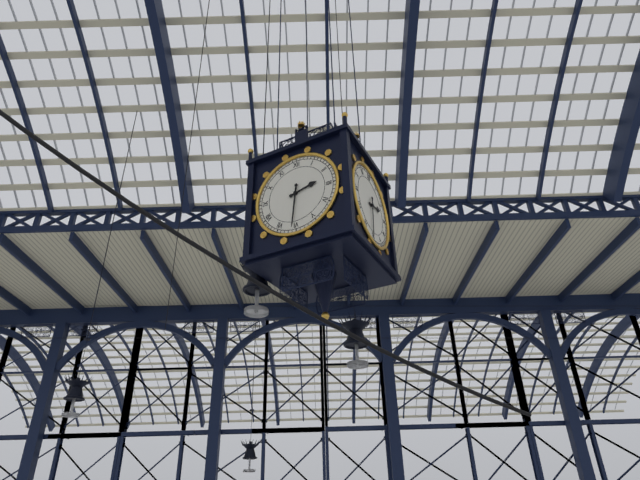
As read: 2h31
